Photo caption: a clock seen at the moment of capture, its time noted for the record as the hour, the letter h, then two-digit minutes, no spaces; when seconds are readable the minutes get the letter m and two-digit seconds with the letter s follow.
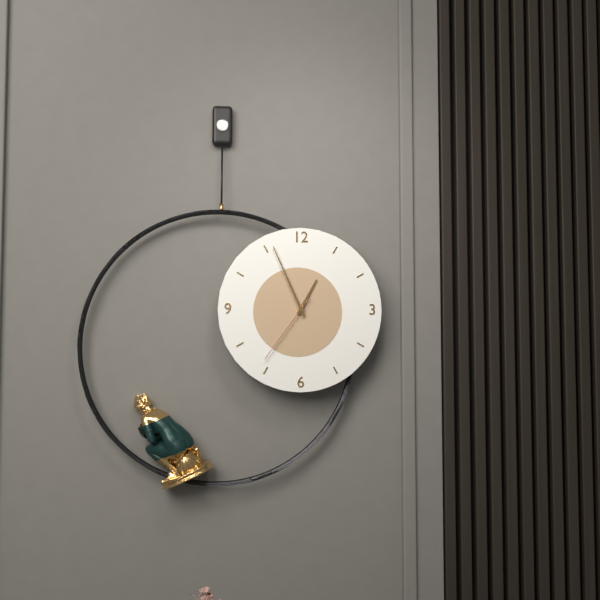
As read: 12h56m36s
